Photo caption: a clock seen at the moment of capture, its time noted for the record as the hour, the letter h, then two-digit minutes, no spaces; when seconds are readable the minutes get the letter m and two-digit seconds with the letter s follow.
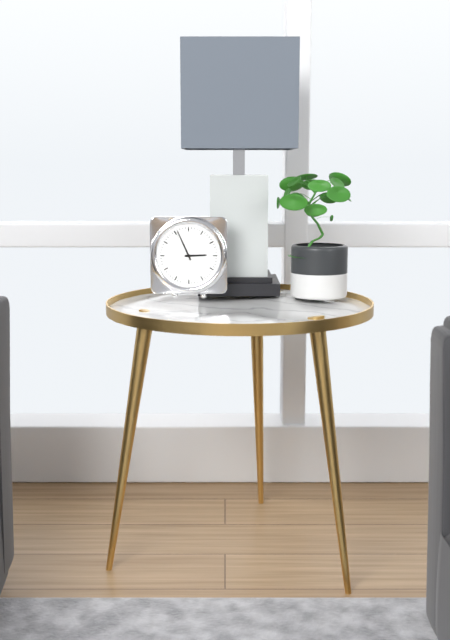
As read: 2h56
